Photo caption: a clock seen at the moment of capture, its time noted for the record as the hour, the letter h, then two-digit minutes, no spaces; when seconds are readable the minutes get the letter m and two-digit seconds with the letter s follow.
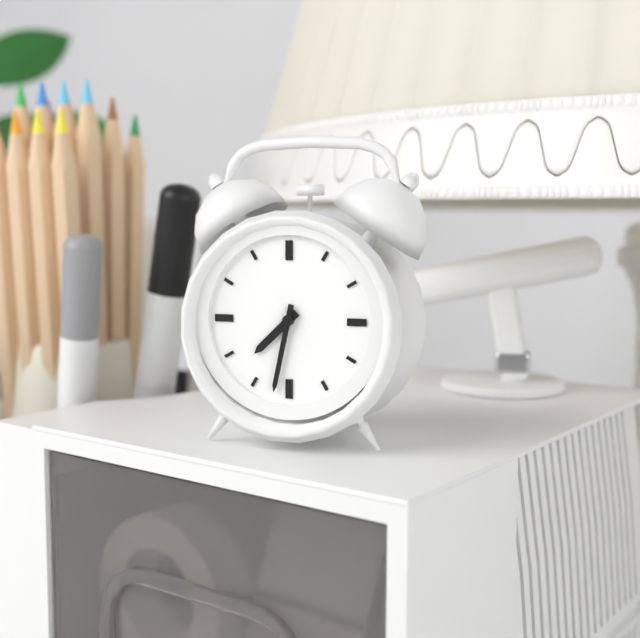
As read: 7h32
